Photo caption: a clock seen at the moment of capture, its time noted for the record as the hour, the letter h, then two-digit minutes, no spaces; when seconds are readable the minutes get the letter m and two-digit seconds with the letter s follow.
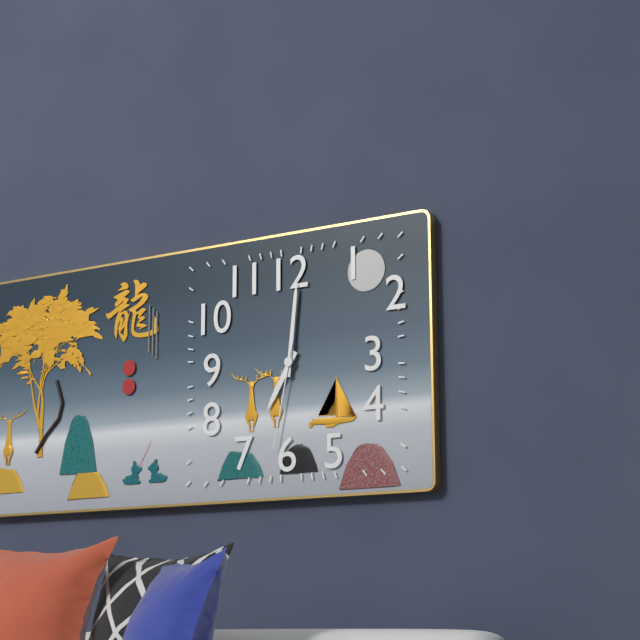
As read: 7h01m32s
